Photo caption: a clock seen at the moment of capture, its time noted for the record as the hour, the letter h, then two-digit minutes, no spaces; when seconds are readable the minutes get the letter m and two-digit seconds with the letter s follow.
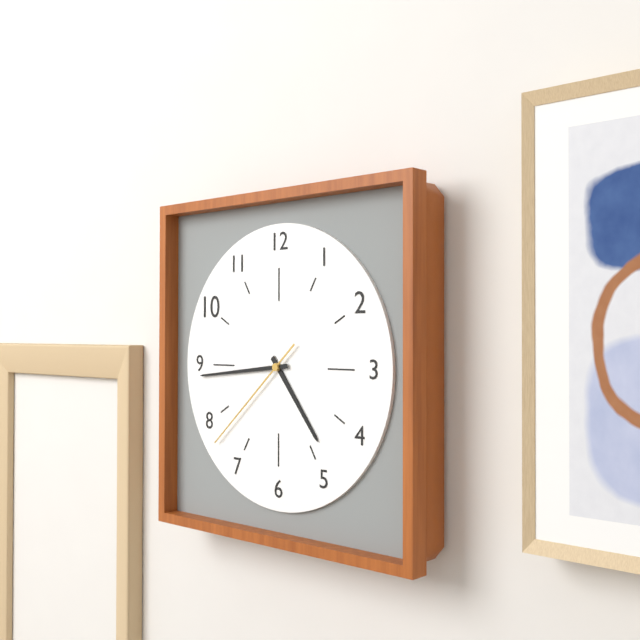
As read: 4h44m38s
